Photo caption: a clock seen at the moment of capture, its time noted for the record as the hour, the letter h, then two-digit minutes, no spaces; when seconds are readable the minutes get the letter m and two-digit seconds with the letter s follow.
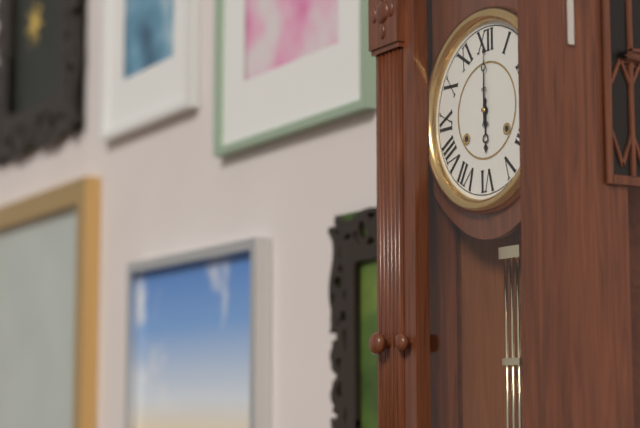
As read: 6h00
